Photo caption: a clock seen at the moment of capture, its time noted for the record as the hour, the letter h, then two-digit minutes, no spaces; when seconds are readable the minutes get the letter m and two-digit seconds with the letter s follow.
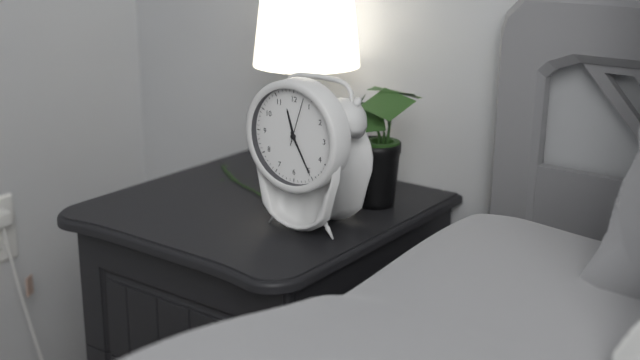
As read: 11h25m03s
